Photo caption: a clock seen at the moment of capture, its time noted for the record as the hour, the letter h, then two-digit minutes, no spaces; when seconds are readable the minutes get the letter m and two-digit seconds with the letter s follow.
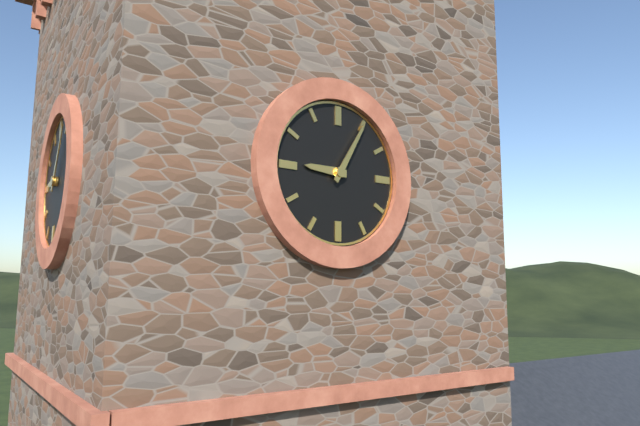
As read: 9h05
